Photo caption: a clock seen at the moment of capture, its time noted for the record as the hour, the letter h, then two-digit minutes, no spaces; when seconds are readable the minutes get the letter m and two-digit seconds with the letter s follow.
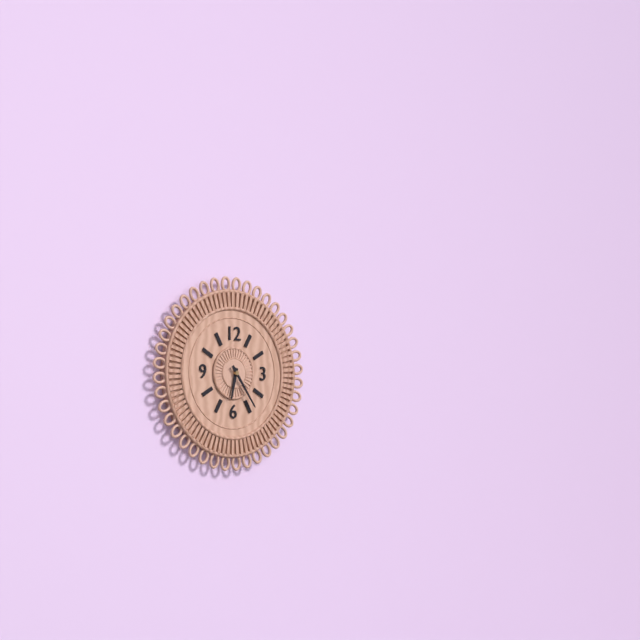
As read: 6h24
